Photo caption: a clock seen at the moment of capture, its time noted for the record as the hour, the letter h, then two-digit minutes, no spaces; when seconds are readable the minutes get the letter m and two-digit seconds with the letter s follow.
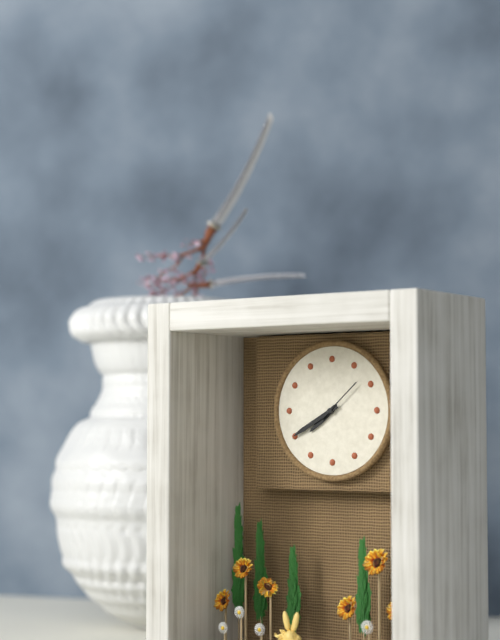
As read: 7h40
